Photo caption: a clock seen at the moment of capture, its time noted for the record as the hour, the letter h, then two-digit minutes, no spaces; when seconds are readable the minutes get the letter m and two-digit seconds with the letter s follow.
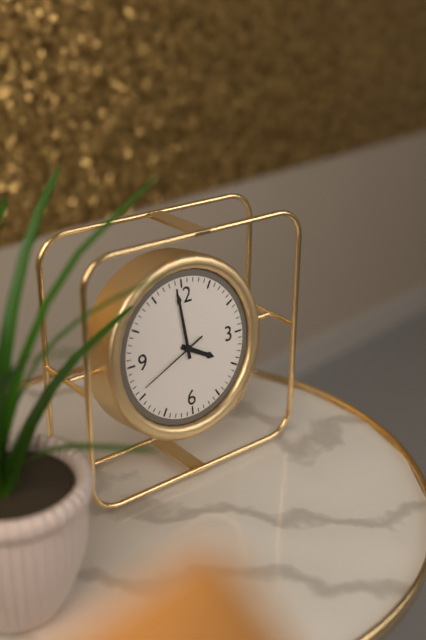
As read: 3h59m41s
